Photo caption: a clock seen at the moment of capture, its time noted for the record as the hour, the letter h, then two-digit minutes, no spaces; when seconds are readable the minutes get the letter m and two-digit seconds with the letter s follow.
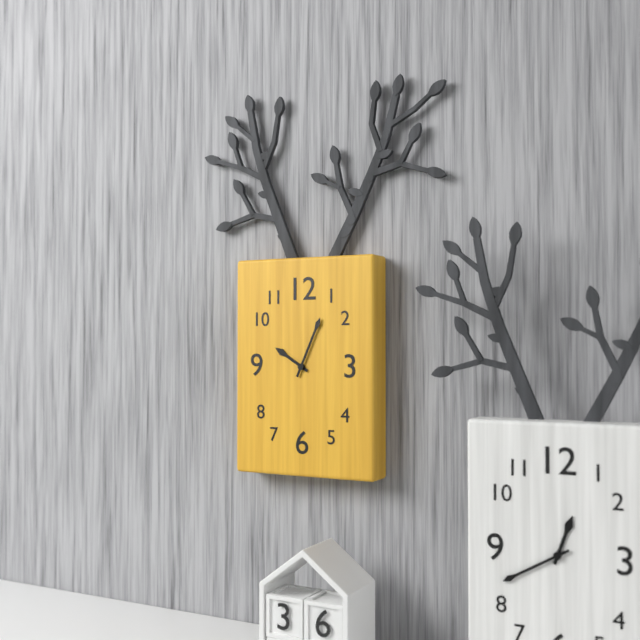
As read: 10h04
